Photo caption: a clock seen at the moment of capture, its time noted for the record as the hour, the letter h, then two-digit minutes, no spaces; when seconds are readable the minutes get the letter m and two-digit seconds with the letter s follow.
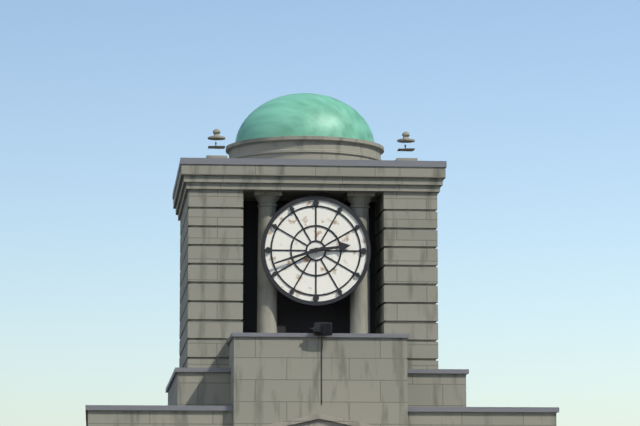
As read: 2h42
